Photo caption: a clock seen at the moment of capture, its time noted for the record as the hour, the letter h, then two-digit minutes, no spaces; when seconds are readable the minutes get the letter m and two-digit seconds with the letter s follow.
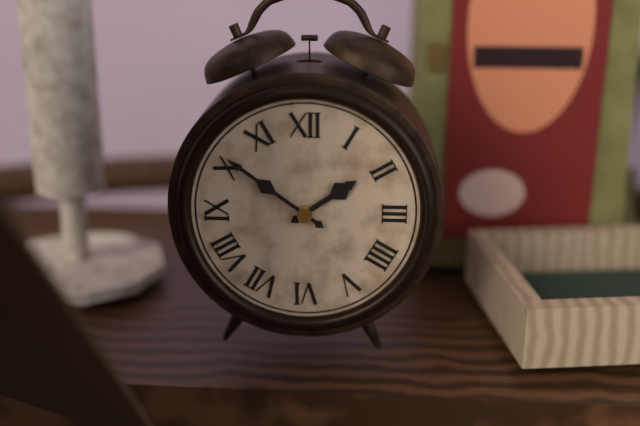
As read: 1h51
